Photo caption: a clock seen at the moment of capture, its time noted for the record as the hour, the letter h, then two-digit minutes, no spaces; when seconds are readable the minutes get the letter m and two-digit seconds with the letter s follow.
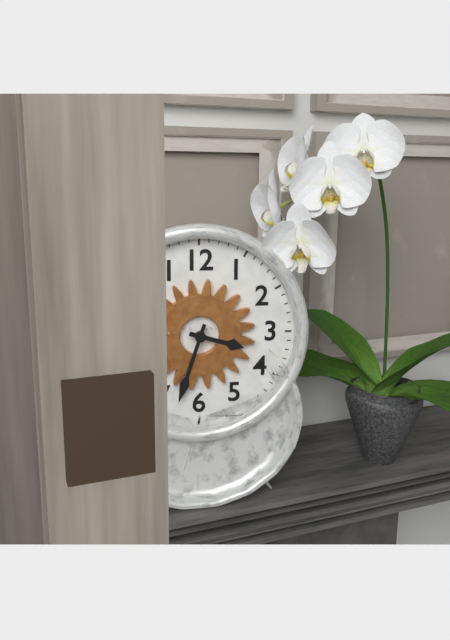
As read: 3h33
